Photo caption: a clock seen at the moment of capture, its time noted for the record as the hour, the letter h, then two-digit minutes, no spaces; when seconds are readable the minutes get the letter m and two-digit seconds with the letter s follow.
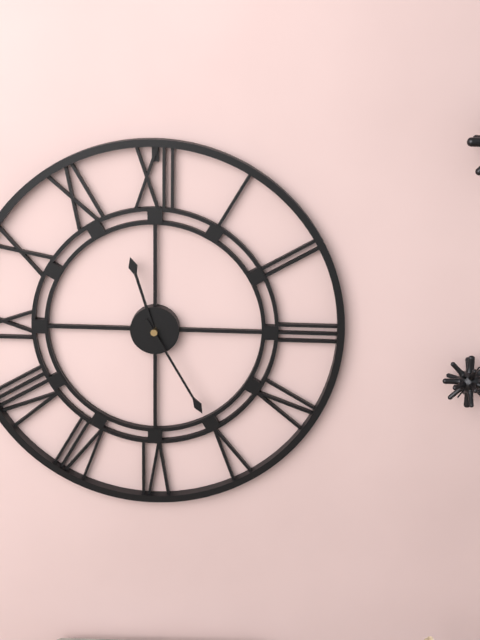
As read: 11h25
